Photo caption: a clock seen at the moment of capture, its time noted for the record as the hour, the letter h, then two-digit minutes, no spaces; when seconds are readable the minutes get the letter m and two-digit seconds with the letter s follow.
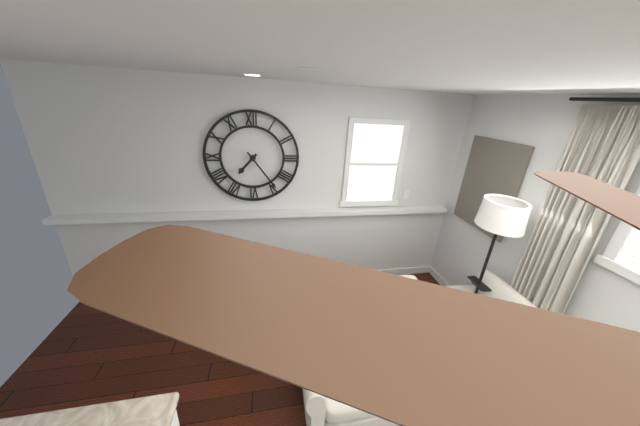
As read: 7h24
